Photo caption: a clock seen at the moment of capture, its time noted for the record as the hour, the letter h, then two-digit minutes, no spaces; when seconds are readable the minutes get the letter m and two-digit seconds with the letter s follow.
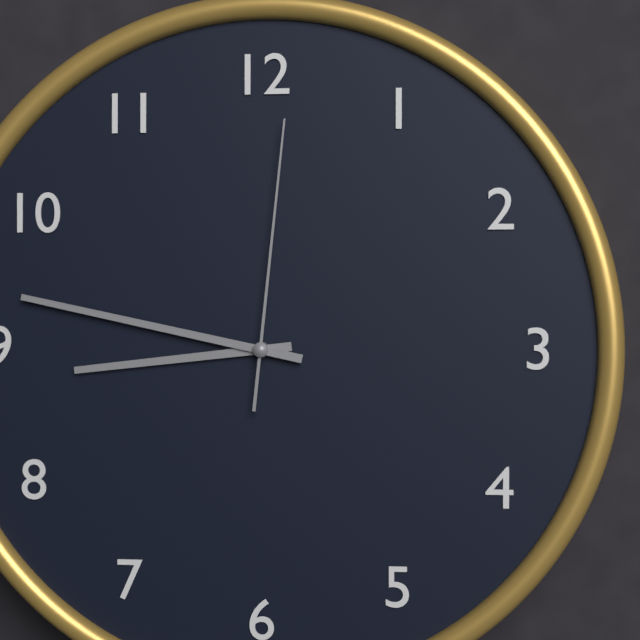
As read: 8h47m01s
